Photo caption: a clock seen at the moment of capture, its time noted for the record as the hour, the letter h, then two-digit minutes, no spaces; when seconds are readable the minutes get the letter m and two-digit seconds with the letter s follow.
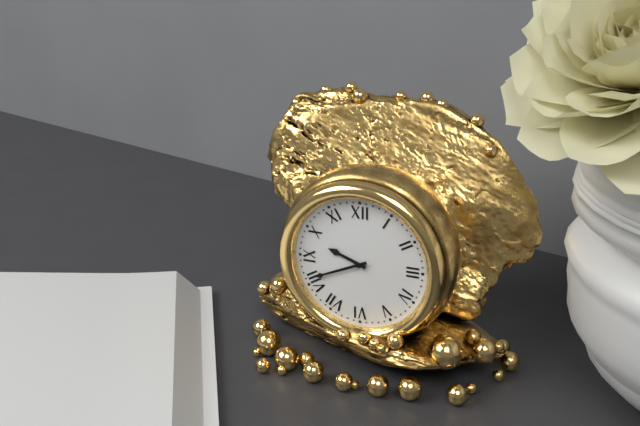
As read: 9h41
